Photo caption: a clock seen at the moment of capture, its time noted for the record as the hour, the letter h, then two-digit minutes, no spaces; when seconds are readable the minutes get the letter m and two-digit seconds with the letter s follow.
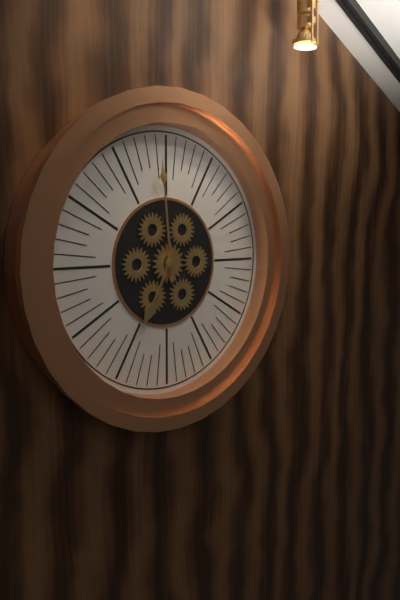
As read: 6h59
